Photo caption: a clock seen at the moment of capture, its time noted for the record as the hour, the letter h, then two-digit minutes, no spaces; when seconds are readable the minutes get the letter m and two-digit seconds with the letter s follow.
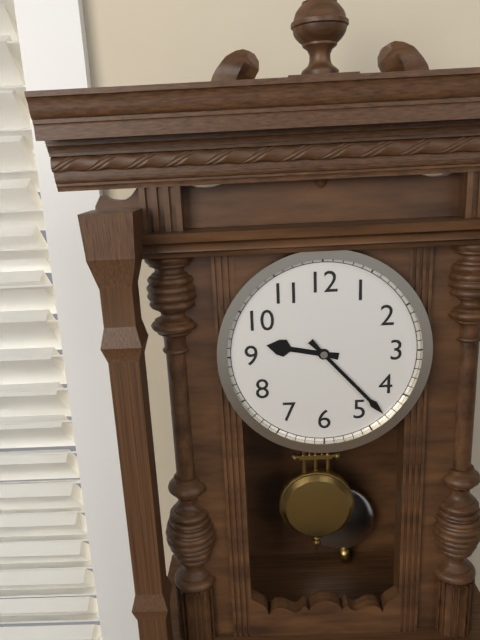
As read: 9h23
